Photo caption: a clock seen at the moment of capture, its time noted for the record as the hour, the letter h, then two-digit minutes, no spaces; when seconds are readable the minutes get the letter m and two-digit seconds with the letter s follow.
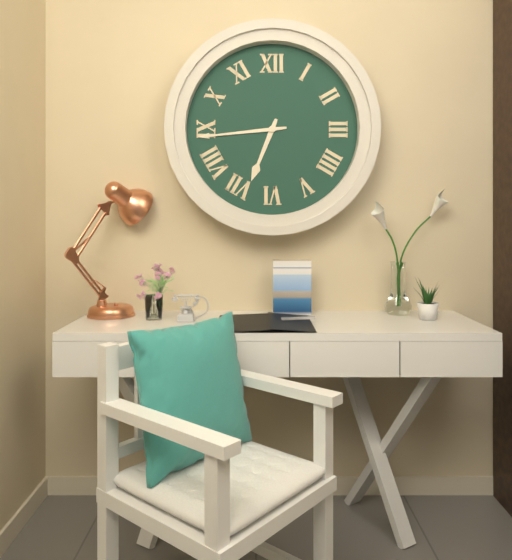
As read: 6h44
